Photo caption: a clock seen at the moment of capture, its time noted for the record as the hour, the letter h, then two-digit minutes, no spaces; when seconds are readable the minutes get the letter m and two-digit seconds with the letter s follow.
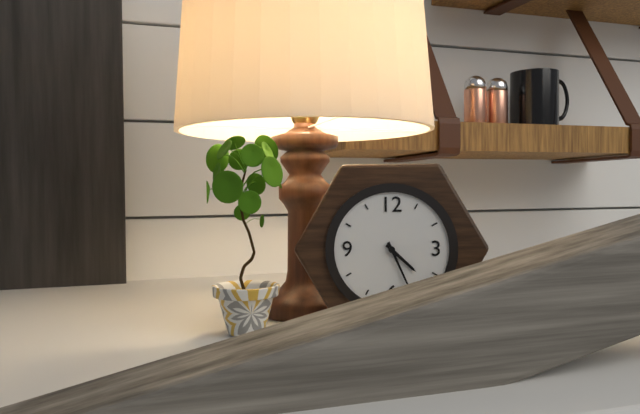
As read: 4h26
